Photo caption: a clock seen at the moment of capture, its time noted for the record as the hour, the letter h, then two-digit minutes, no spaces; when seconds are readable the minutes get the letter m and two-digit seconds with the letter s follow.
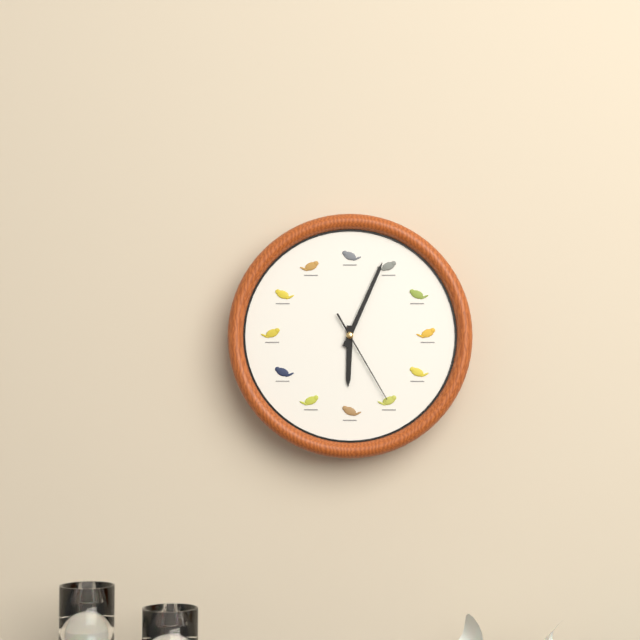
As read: 6h04m25s
